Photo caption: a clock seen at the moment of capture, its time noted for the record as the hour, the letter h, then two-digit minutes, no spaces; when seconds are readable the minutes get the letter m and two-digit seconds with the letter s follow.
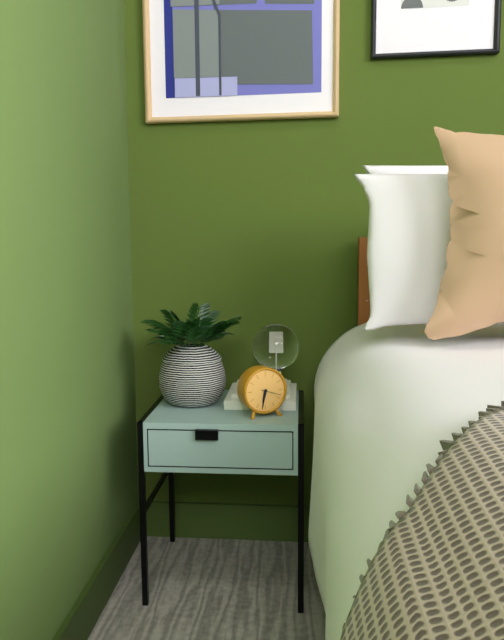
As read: 6h32
